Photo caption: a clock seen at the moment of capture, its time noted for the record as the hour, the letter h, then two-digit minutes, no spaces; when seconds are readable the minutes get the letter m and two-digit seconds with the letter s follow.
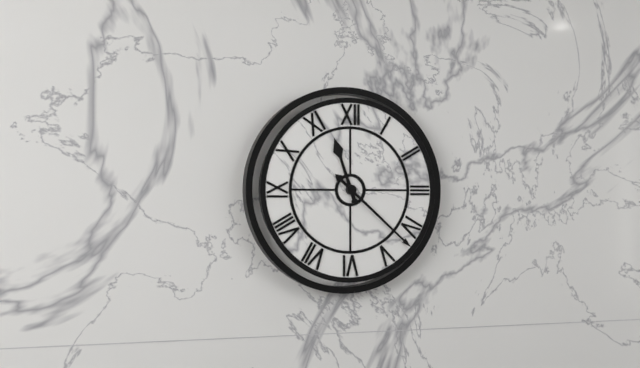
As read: 11h22
